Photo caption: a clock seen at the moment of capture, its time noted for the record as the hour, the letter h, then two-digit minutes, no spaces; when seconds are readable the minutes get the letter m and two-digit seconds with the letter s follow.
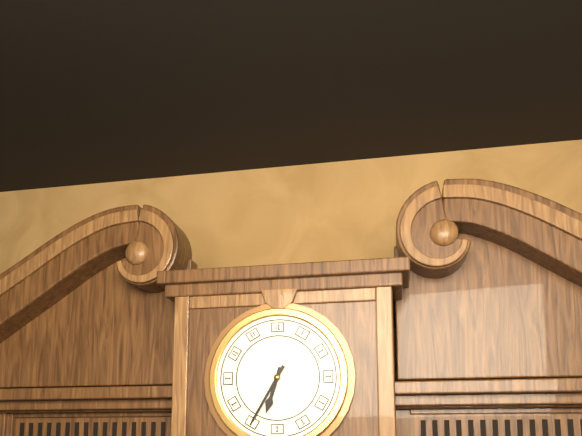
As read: 6h35
